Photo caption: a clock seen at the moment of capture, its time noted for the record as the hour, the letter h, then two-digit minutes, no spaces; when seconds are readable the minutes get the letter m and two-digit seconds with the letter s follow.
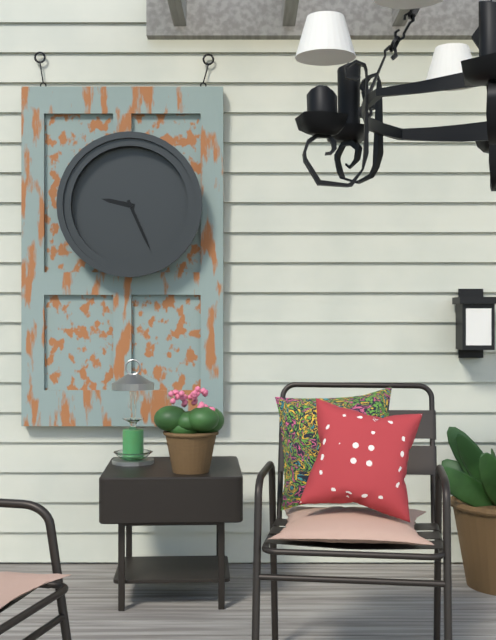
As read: 9h26
